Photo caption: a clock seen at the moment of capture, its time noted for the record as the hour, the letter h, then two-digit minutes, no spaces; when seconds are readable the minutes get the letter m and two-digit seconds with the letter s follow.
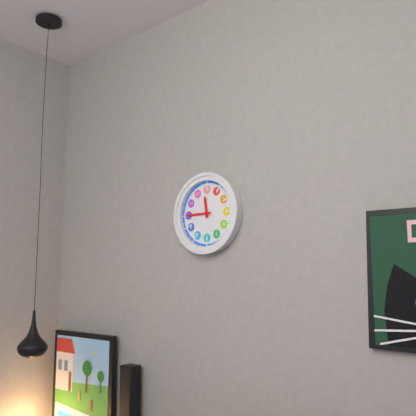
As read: 11h45
